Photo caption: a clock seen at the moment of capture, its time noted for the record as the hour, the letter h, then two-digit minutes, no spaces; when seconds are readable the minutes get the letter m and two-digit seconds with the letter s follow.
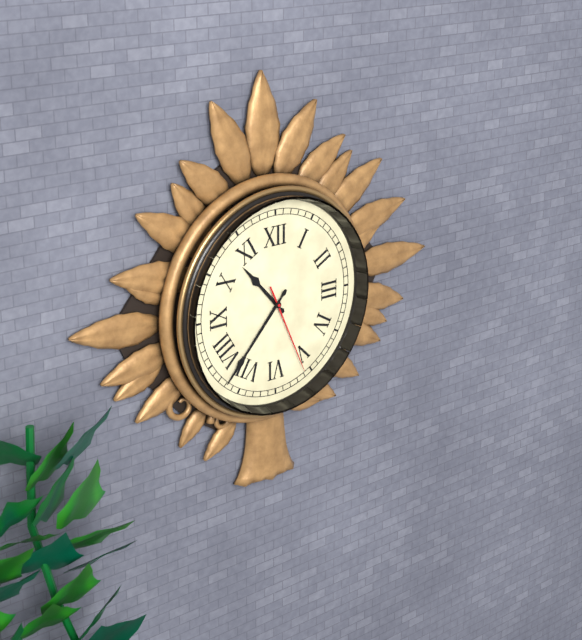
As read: 10h37m26s
